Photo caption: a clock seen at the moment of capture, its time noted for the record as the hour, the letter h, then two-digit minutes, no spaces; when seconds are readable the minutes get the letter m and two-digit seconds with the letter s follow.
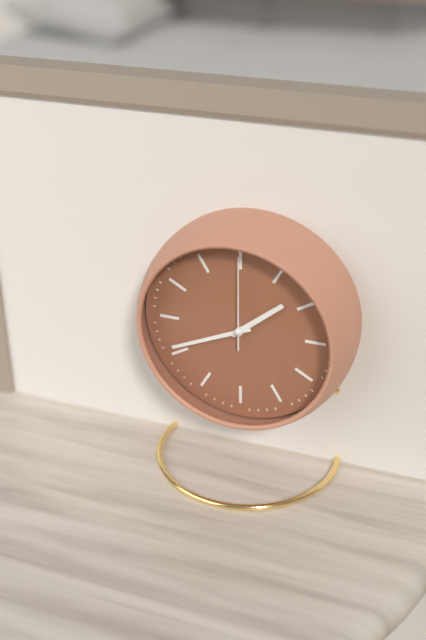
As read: 1h41m00s
